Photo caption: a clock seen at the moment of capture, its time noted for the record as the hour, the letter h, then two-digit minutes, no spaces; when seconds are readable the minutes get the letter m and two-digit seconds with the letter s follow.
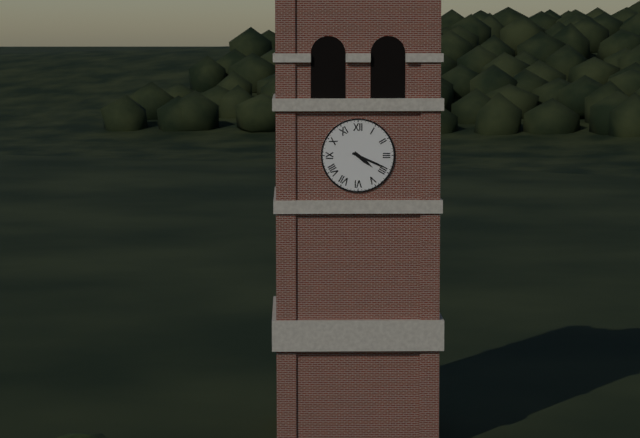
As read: 4h19
